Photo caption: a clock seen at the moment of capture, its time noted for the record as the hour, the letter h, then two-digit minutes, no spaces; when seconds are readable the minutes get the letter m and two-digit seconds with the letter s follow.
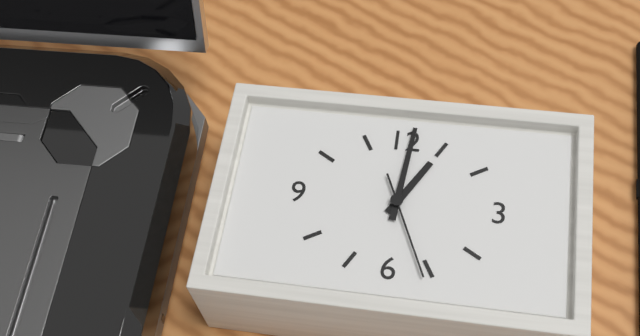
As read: 1h01m26s
